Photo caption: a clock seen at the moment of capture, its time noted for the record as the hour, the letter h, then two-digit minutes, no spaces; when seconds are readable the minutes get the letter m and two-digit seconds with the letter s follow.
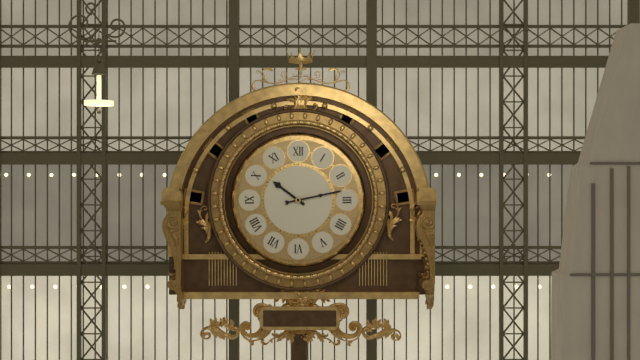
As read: 10h13
